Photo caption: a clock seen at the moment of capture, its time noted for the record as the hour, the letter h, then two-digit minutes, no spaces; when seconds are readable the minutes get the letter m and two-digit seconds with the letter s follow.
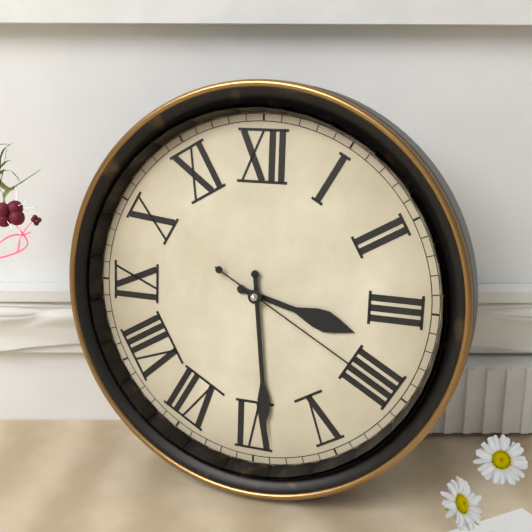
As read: 3h29m20s
